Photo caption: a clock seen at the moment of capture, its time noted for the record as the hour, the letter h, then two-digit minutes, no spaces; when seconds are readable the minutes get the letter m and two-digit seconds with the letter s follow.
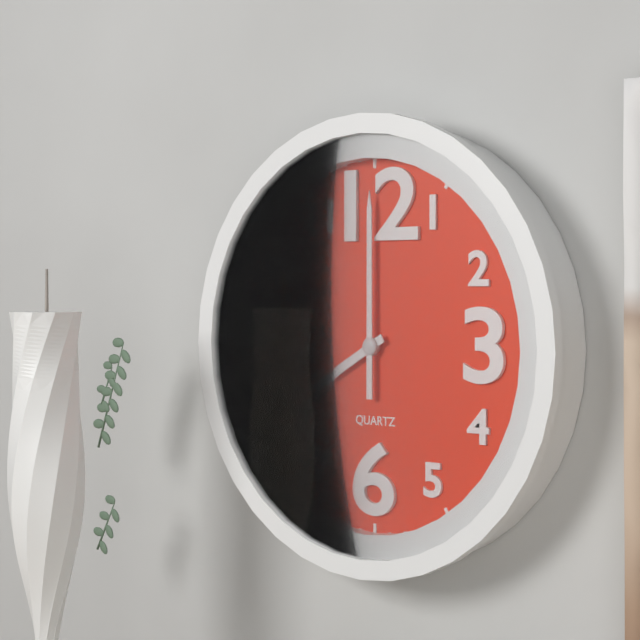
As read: 8h00
